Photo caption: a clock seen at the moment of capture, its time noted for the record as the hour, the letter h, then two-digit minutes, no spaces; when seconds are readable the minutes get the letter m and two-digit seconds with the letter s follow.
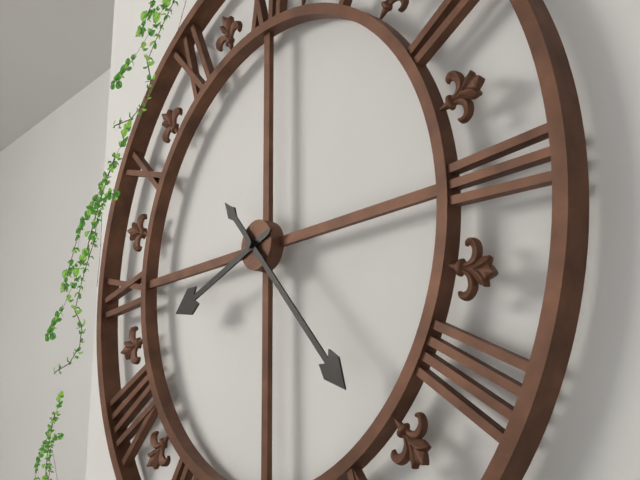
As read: 8h23
